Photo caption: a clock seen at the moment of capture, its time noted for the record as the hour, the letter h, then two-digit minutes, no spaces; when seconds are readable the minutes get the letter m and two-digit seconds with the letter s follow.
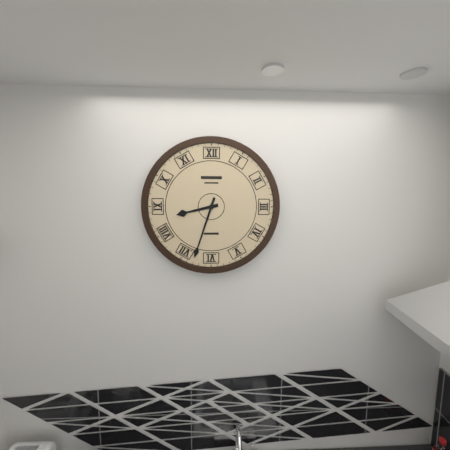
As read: 8h33
